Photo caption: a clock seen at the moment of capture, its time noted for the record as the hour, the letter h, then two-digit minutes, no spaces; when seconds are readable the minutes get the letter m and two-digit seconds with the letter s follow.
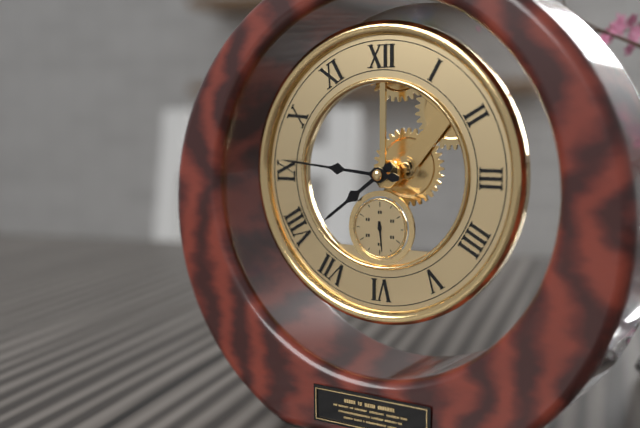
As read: 7h46
